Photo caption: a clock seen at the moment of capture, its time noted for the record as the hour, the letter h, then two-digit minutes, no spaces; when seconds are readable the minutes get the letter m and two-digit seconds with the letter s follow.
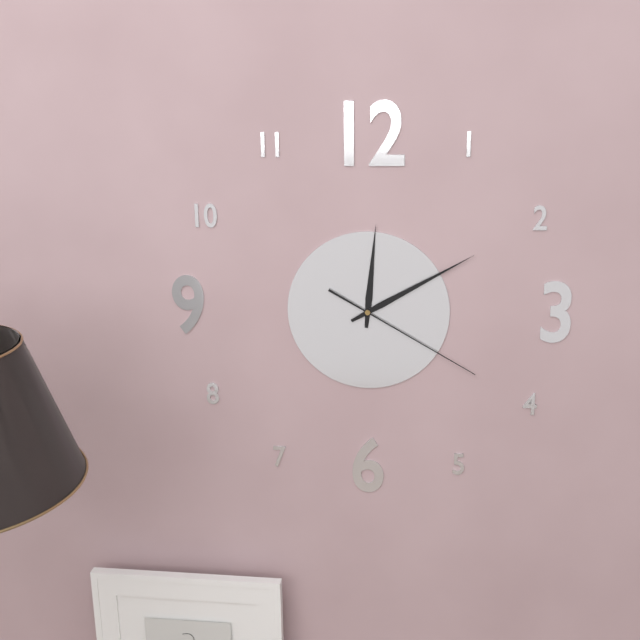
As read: 12h10m20s
